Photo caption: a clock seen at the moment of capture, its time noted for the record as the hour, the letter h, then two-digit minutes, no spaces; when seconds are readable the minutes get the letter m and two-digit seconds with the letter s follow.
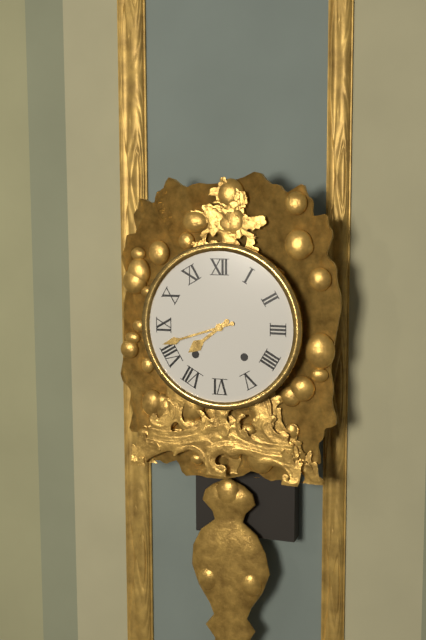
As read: 7h42
